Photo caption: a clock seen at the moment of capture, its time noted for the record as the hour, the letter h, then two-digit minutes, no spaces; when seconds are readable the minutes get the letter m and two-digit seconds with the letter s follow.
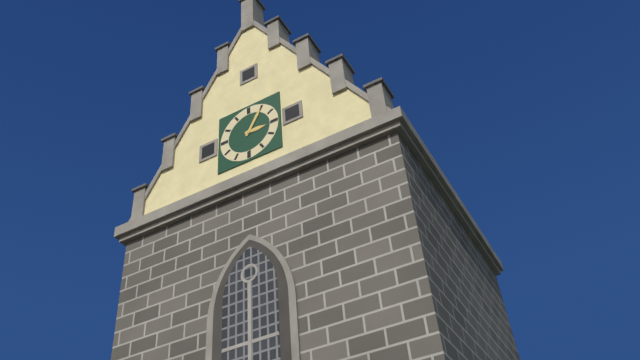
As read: 3h05
